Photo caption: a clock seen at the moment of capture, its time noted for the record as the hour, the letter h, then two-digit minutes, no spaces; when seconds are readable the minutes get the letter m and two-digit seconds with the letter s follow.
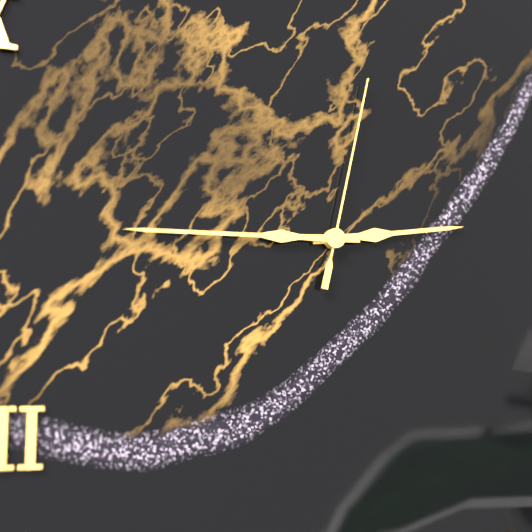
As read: 2h45m02s
